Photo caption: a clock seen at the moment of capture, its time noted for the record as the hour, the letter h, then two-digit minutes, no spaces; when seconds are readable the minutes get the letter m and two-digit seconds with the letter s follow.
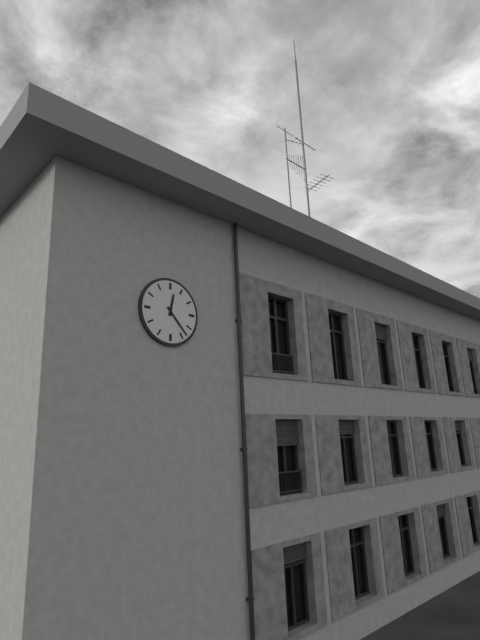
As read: 12h23
